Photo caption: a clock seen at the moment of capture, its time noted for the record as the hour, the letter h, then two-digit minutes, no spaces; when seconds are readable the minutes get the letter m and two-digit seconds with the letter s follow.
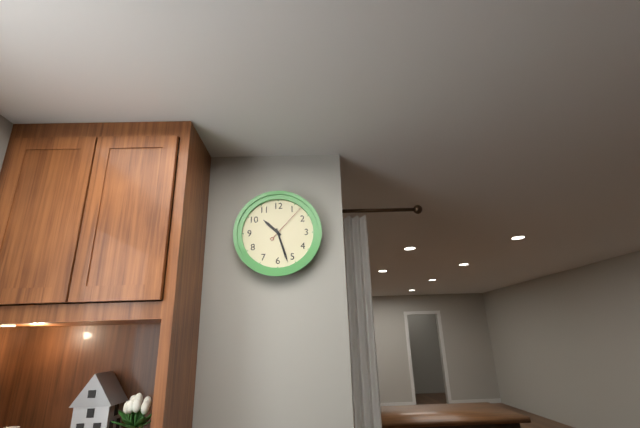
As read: 10h27
